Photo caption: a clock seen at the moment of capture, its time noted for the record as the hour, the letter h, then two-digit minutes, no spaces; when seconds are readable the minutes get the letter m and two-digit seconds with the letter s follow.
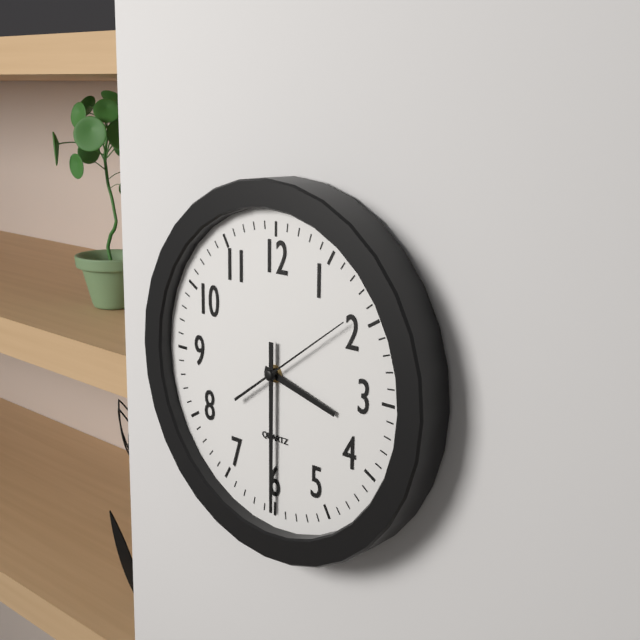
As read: 3h30m09s
